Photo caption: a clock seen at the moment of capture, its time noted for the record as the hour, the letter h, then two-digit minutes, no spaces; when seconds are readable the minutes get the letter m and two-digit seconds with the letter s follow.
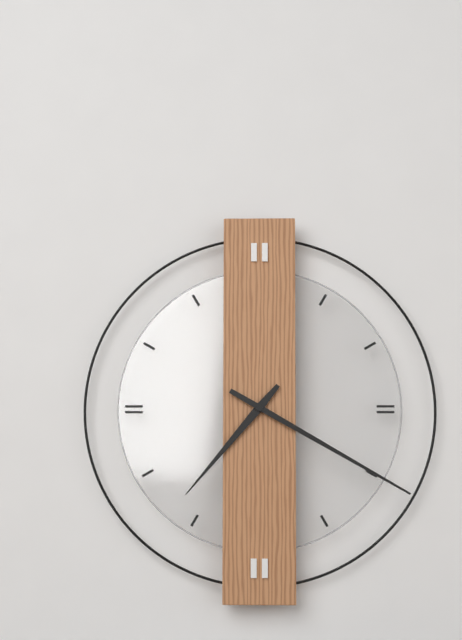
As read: 7h20
